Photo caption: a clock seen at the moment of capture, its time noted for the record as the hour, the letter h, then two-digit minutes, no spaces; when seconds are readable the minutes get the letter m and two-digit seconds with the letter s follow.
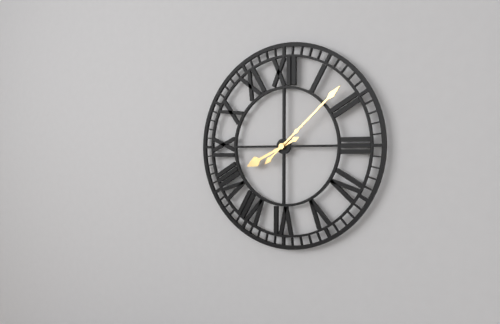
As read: 8h08
